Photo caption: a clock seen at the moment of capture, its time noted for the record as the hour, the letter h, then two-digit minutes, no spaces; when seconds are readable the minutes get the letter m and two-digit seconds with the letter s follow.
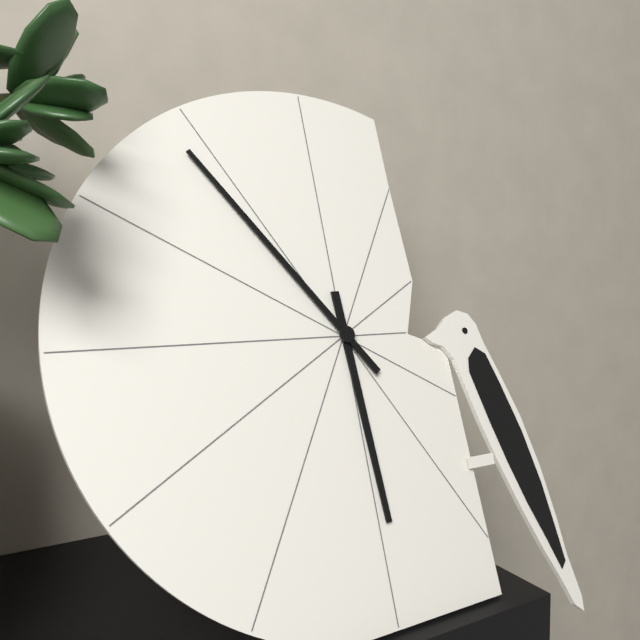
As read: 5h54
